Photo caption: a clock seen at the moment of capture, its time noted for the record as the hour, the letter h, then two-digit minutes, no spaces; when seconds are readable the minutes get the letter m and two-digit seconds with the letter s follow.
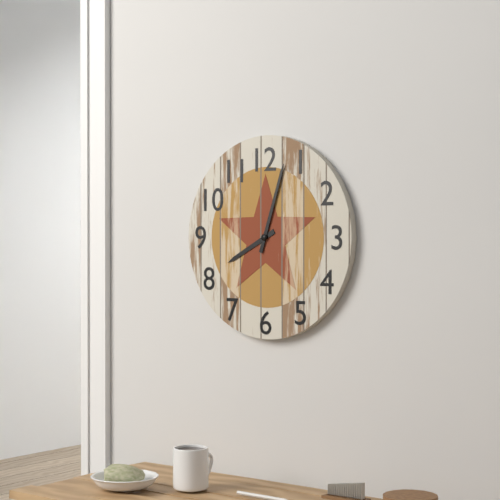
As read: 8h03
